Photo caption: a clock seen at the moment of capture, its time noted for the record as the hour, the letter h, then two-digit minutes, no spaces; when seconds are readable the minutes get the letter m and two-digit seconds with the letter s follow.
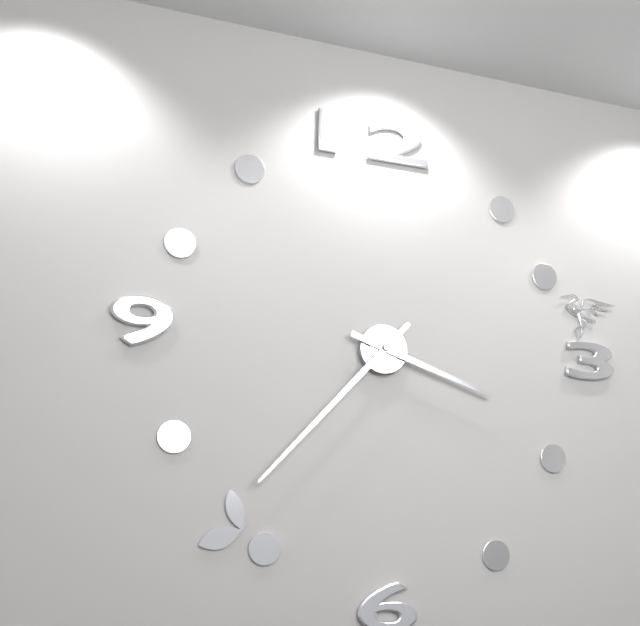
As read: 3h37
